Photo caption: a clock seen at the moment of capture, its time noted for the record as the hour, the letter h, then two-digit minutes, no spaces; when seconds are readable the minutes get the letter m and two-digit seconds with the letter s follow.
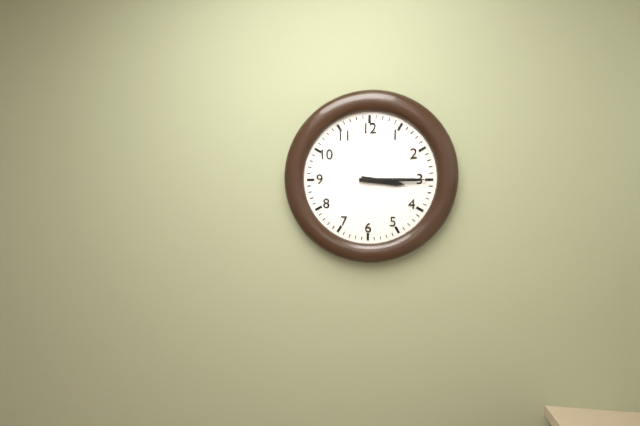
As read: 3h15
